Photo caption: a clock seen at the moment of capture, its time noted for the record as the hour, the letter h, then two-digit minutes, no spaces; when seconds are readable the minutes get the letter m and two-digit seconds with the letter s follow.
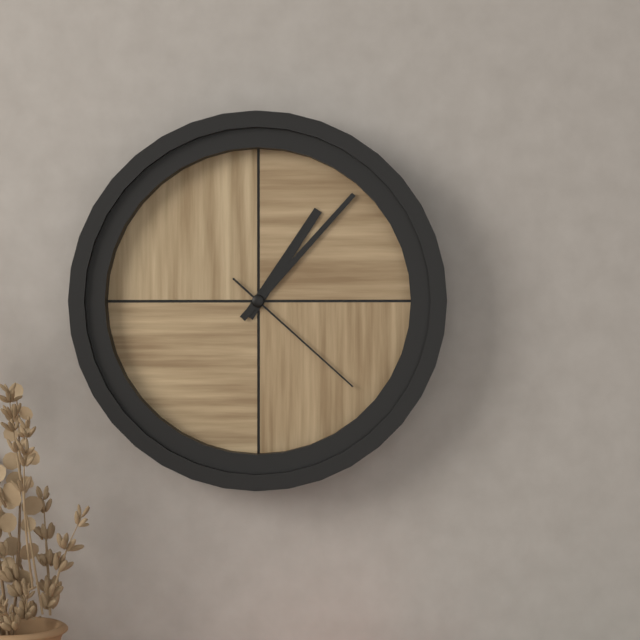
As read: 1h07m22s
